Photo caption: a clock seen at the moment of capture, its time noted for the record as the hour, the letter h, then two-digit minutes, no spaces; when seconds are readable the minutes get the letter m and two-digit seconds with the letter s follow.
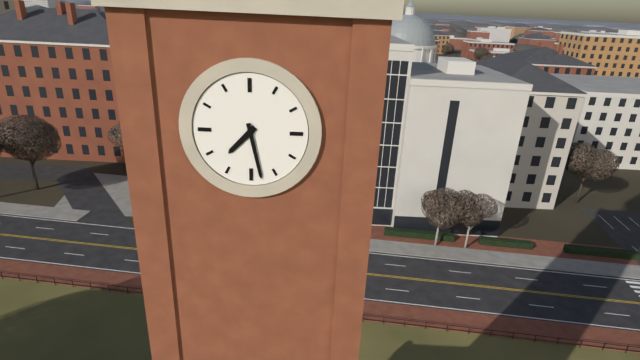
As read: 7h28
